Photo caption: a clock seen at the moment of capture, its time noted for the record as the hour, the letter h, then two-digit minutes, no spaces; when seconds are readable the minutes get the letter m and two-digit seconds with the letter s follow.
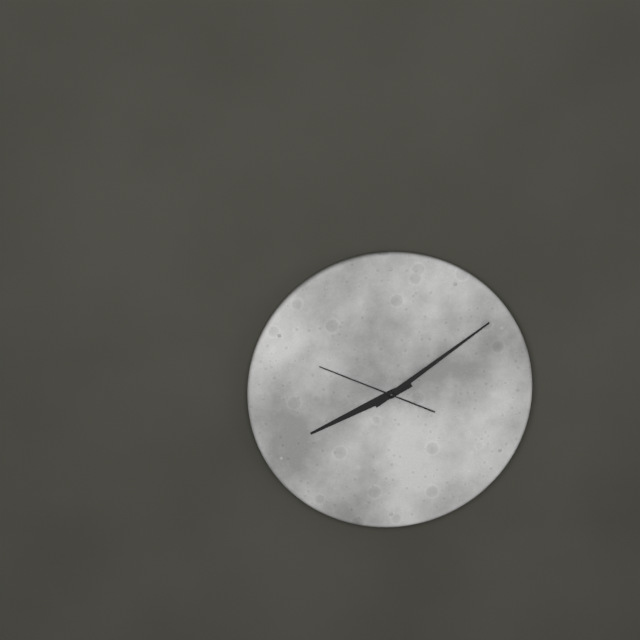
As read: 8h09m49s
